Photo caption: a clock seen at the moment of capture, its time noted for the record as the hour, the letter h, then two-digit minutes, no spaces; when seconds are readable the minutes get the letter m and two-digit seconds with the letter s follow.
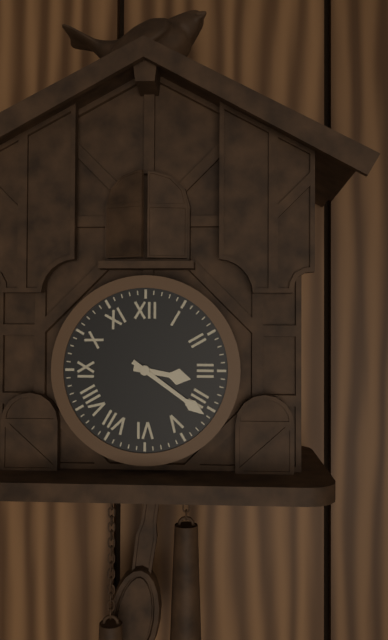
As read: 3h21
